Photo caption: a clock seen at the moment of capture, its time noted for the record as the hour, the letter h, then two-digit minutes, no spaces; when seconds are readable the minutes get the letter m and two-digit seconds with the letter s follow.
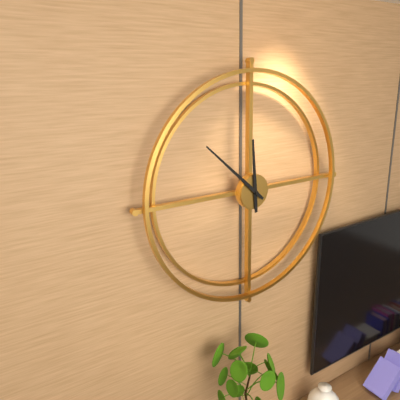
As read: 11h52
